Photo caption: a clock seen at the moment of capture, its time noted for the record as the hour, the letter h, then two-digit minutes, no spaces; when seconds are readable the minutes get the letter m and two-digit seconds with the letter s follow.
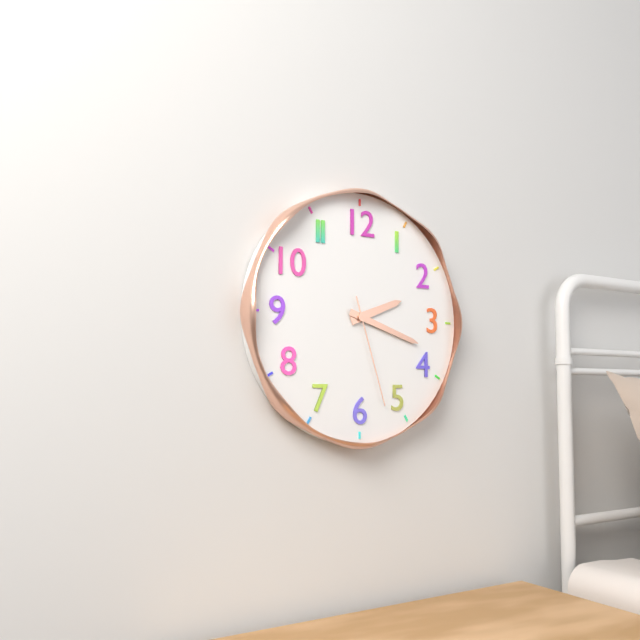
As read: 2h18m27s
